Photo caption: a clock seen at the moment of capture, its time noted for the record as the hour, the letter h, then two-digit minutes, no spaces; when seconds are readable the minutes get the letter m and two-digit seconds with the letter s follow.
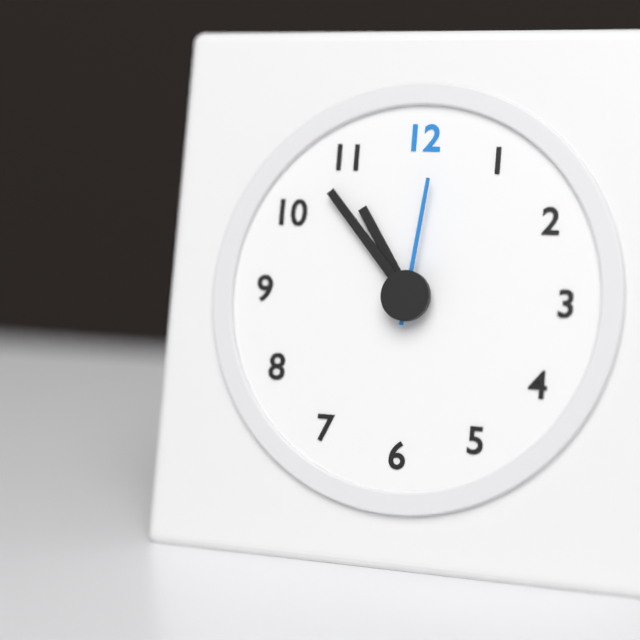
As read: 10h53m01s
